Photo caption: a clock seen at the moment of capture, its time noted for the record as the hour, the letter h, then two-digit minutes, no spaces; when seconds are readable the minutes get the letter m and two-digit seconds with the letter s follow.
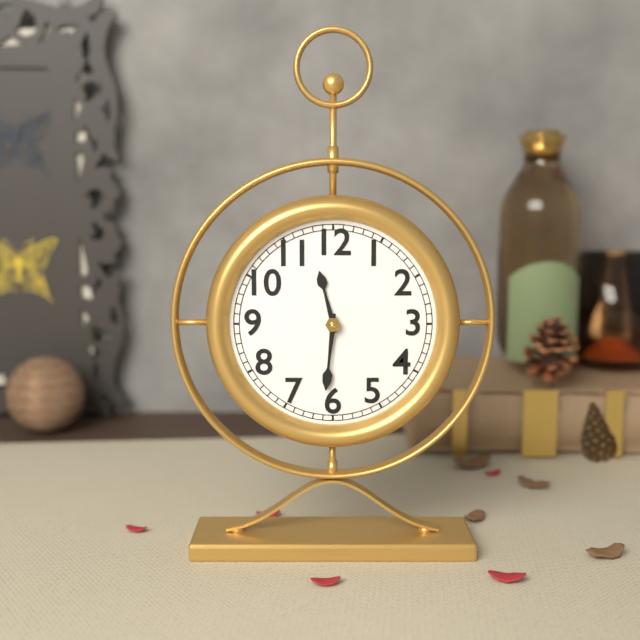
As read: 11h31
